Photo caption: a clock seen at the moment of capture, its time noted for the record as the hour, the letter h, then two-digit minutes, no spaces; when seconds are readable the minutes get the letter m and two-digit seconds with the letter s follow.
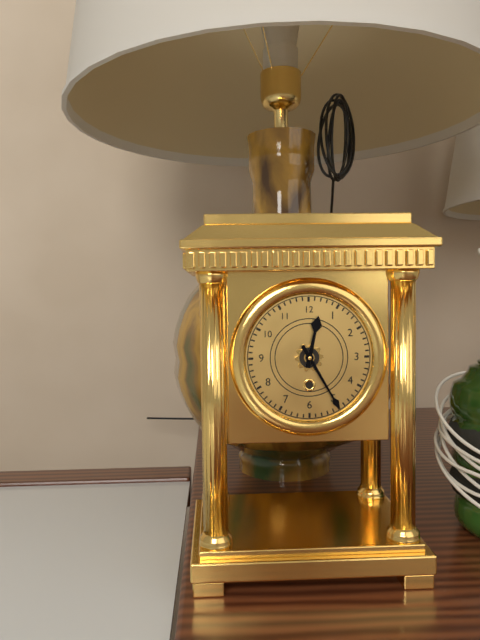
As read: 12h25
